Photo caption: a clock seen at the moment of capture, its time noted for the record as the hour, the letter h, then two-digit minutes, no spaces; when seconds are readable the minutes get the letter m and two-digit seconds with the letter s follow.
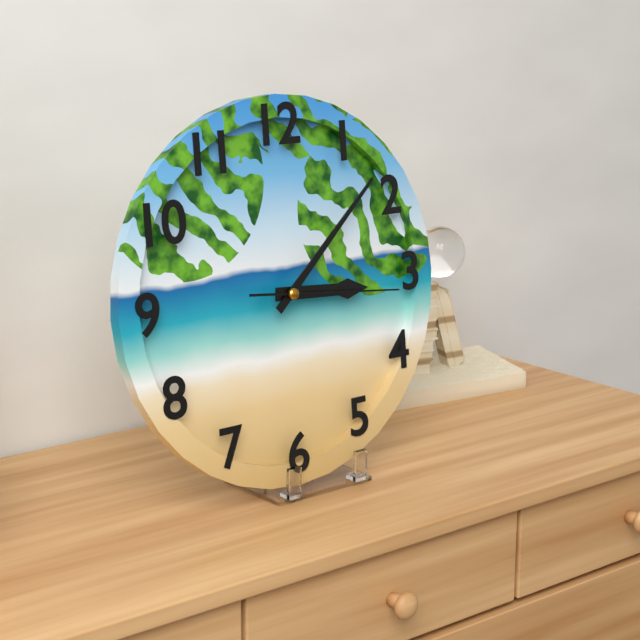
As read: 3h08m16s
